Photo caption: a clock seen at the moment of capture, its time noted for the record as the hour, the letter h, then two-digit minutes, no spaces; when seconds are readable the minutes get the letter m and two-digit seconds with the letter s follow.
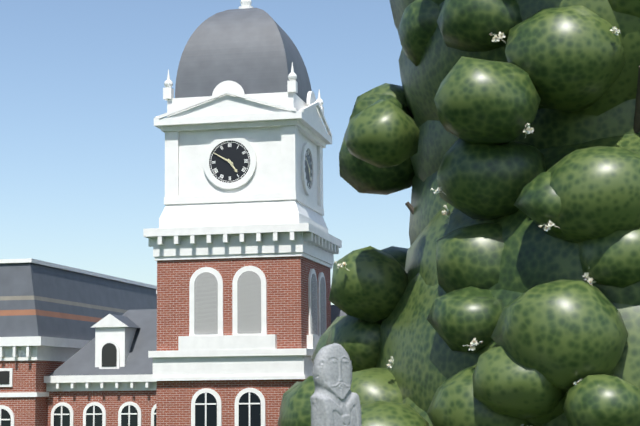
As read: 4h50
